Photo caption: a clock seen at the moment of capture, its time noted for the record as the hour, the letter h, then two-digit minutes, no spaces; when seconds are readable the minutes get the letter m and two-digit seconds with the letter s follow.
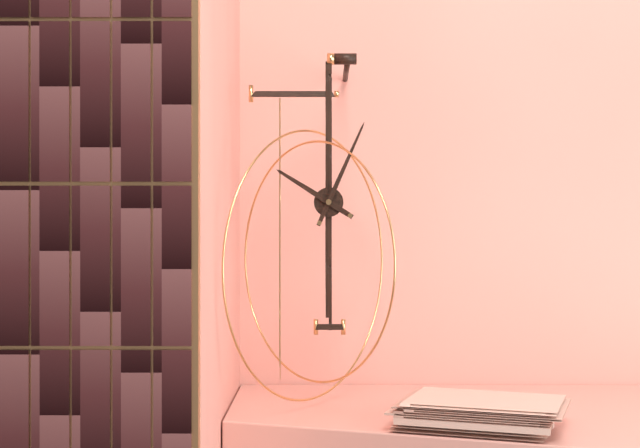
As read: 10h04
